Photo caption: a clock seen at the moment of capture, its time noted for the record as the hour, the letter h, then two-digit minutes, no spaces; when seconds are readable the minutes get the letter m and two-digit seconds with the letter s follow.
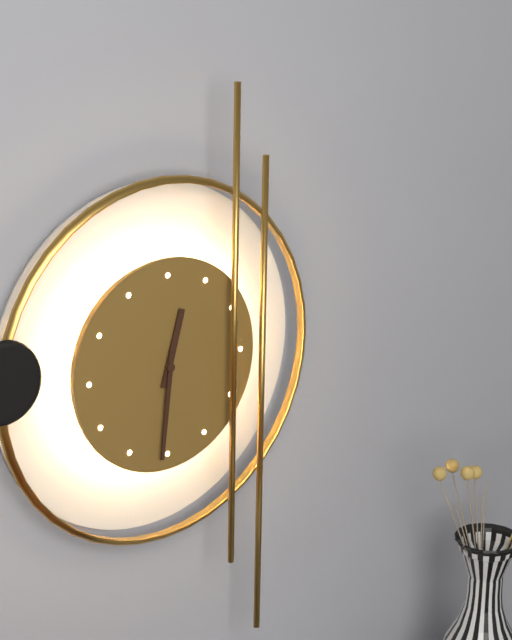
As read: 12h31
